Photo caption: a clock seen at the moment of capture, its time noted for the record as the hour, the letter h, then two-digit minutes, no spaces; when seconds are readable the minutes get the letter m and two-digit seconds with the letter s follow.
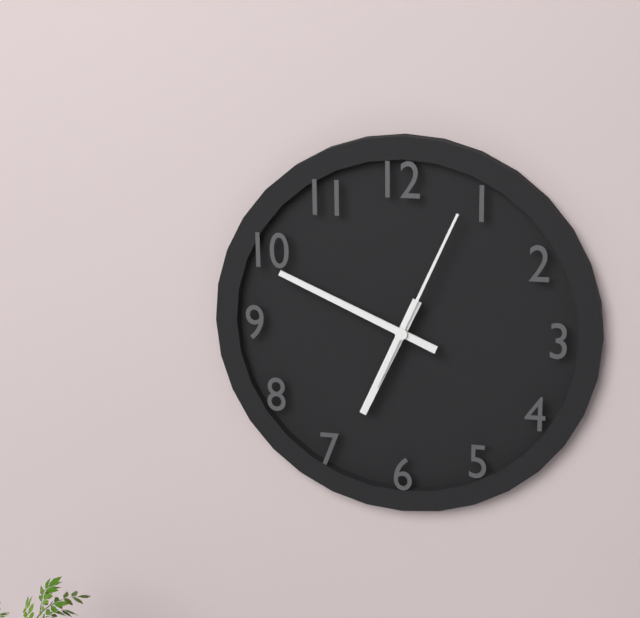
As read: 6h49m04s
